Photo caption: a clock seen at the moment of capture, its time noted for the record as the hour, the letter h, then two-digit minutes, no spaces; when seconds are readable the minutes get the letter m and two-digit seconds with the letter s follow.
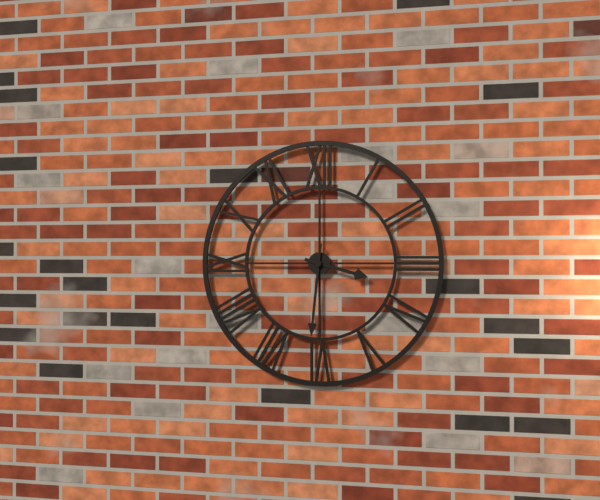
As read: 3h31
